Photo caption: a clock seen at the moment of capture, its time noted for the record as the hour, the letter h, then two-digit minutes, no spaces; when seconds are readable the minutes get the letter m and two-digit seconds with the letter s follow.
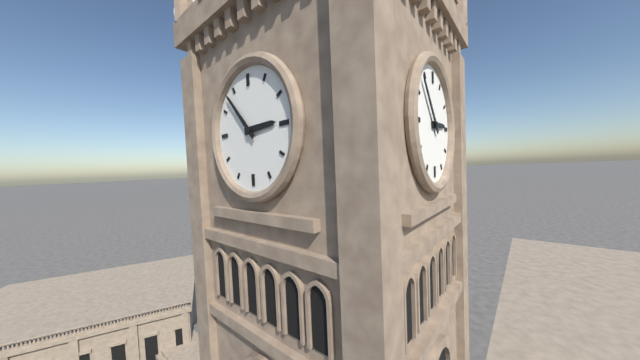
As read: 2h53
